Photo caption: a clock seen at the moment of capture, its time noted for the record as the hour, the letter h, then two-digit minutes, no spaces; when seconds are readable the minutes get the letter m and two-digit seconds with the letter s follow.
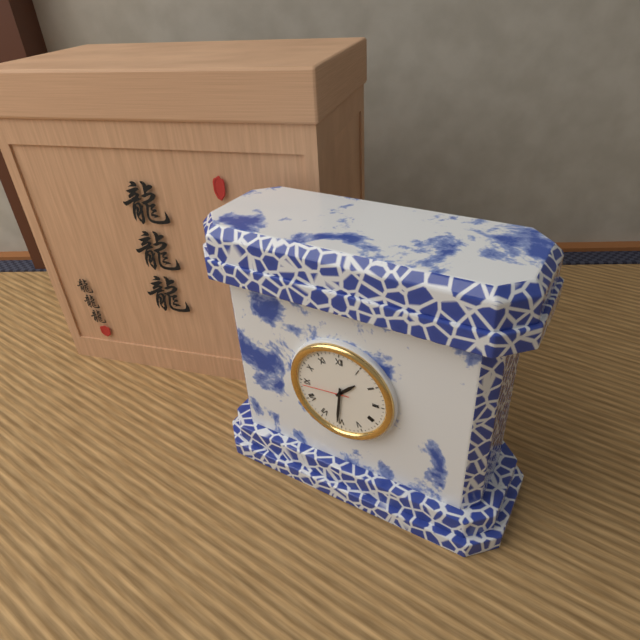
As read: 1h31m44s
